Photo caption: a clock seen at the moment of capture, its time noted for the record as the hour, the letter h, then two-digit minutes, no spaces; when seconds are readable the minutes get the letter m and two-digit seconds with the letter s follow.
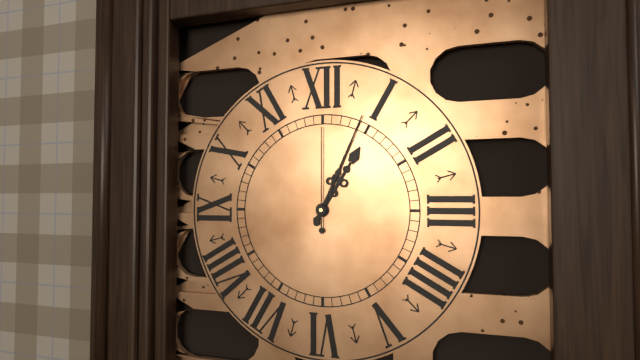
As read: 1h04m00s
